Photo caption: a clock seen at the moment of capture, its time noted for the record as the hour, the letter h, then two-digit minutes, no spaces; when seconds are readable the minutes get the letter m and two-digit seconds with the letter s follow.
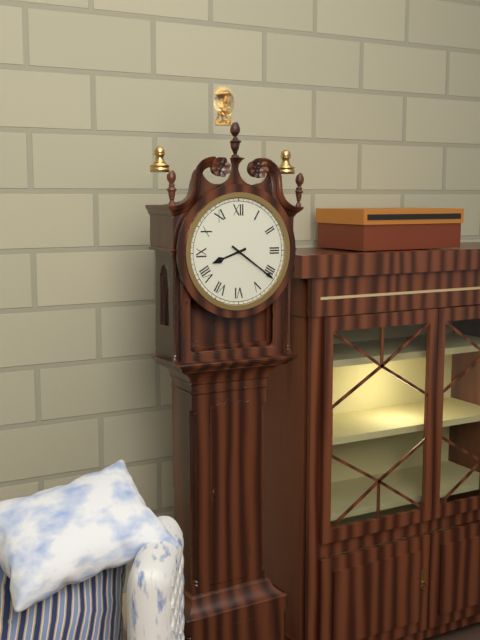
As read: 8h21
